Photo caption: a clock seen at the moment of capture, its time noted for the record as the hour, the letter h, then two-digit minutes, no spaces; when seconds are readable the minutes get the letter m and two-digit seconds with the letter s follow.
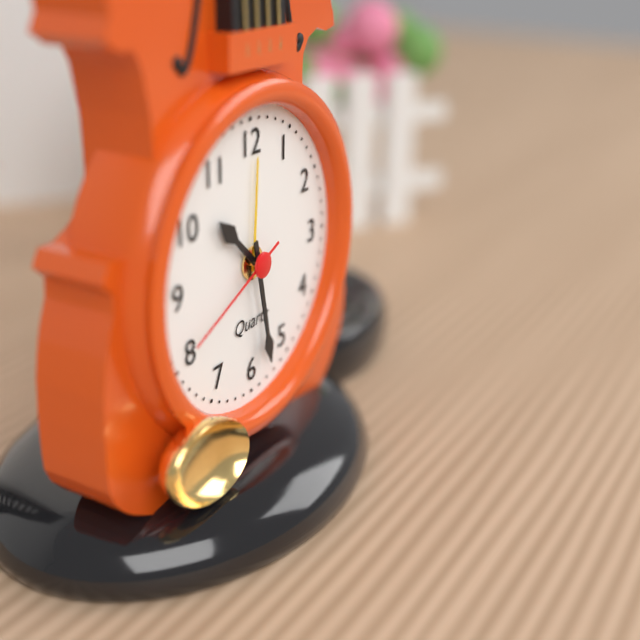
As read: 10h28m41s
